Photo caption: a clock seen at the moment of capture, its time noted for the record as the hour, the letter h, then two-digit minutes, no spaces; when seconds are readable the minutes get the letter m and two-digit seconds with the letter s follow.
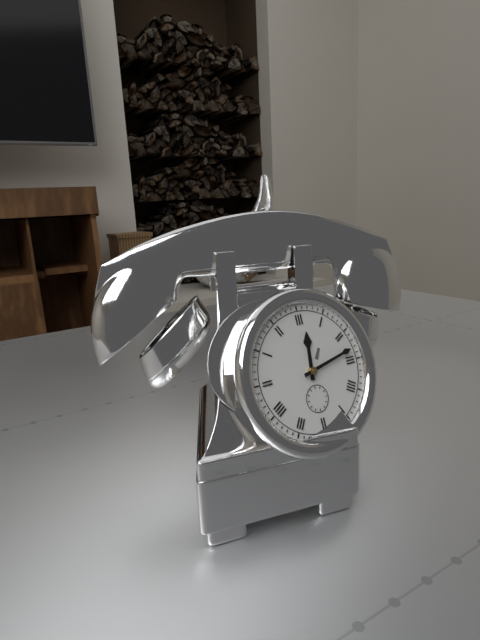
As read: 12h13
